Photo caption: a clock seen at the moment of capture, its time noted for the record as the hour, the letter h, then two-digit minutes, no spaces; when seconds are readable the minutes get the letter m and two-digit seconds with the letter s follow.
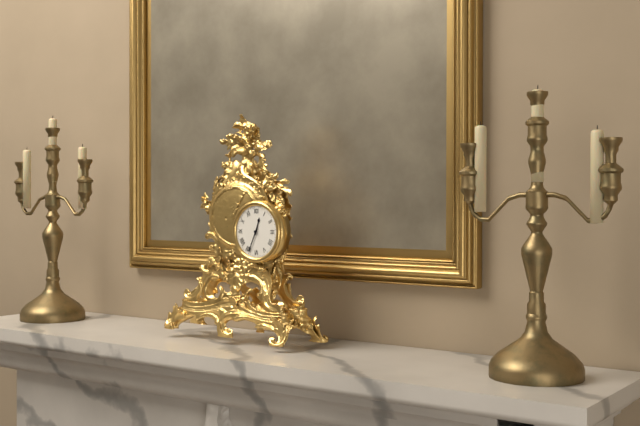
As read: 12h34
